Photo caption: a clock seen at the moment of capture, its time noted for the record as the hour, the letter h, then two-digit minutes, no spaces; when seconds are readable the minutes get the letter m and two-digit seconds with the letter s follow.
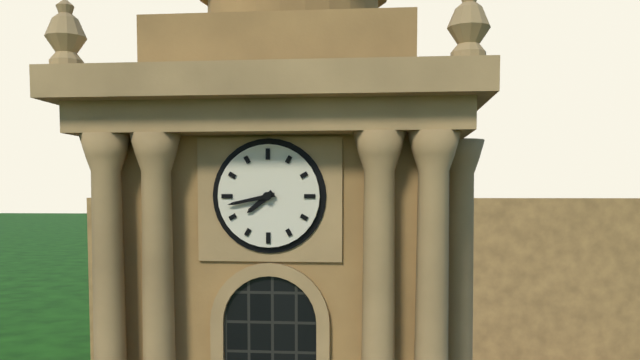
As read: 7h43
